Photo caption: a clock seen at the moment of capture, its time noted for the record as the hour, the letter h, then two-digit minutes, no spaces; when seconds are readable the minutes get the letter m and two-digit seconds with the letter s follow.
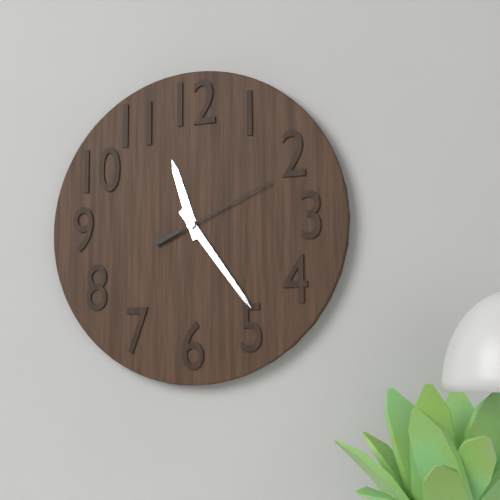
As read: 11h24m11s
